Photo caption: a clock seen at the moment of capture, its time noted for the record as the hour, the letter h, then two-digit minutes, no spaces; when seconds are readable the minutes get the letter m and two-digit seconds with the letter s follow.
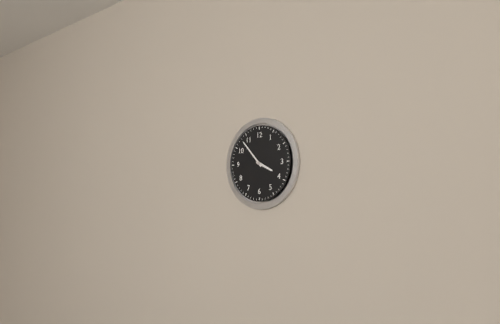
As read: 3h53
